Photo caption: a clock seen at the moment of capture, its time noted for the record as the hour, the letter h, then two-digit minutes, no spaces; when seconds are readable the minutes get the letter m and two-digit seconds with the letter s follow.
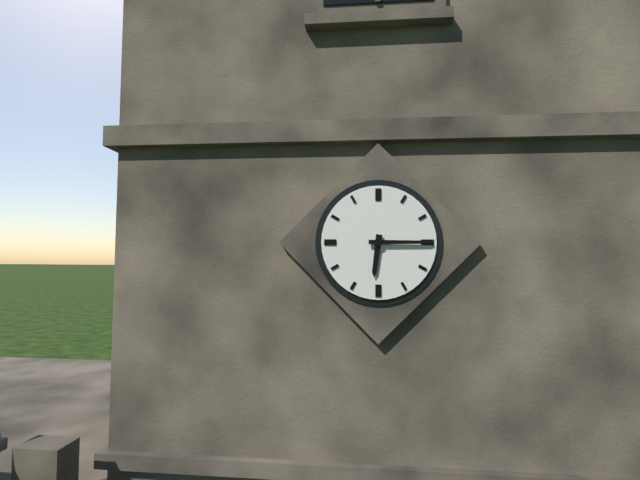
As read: 6h15
